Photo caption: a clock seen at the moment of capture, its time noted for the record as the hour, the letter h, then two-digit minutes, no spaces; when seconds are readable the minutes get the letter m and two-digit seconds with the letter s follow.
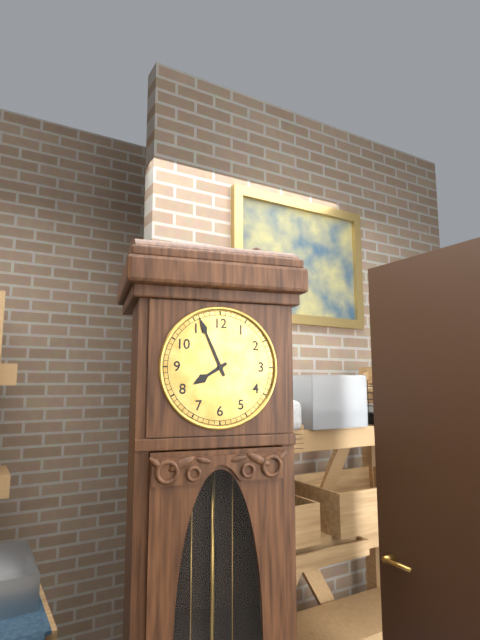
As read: 7h56
